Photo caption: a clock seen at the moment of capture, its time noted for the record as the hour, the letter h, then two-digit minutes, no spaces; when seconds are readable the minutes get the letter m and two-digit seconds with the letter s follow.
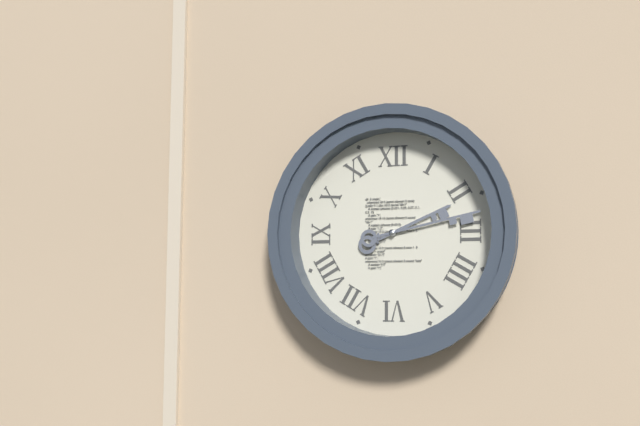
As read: 2h13
